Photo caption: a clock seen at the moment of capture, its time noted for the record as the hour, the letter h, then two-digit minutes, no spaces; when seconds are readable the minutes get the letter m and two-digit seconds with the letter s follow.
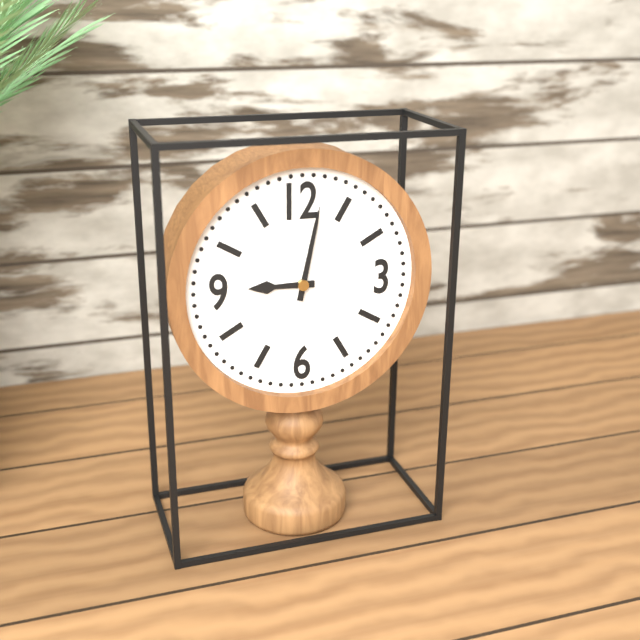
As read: 9h02
